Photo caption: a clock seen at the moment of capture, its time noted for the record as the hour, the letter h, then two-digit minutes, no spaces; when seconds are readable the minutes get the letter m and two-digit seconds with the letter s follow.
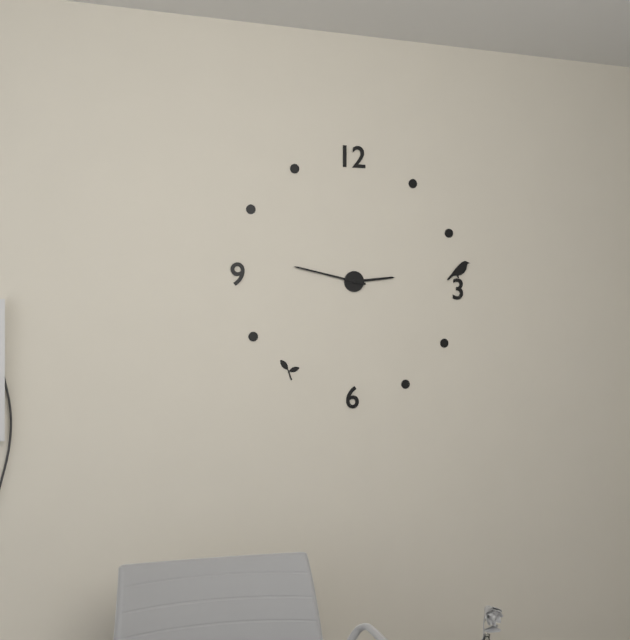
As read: 2h47
